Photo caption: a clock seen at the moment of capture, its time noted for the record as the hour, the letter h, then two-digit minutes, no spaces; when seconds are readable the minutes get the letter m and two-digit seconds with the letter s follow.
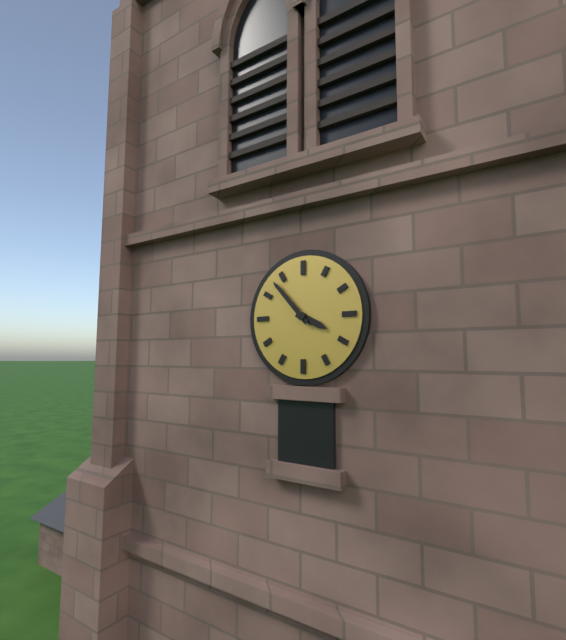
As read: 3h53
